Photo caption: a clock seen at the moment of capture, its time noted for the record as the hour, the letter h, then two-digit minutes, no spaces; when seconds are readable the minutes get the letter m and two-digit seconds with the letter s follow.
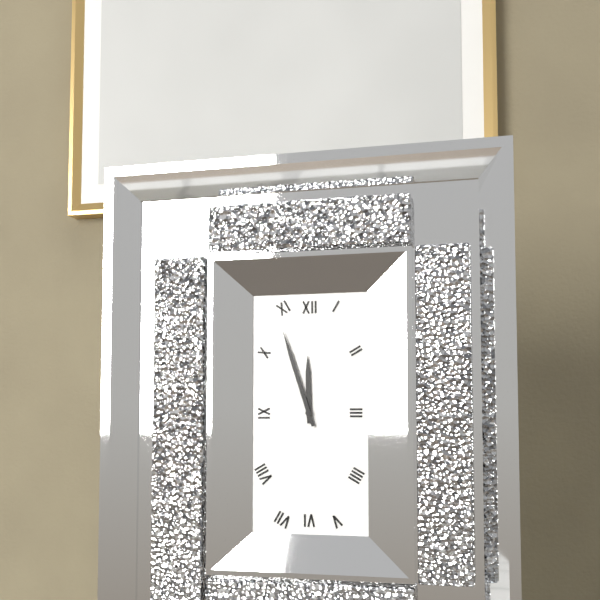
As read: 11h57
